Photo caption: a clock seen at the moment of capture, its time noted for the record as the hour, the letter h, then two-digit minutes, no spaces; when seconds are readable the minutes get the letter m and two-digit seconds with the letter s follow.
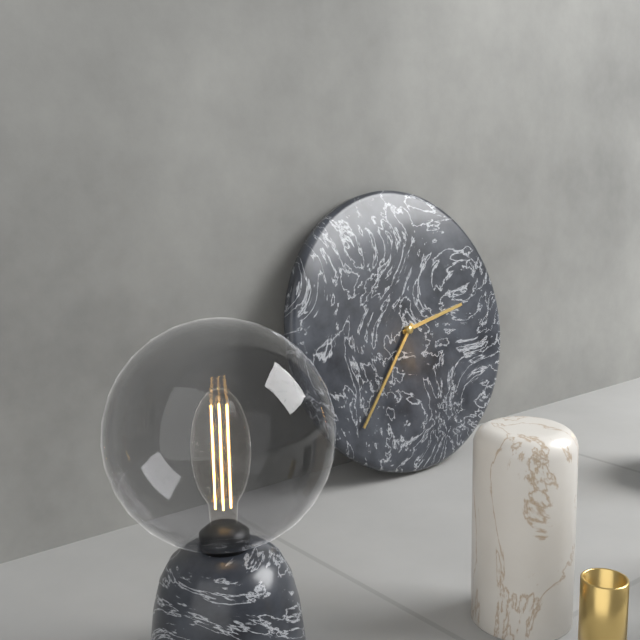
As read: 2h37
